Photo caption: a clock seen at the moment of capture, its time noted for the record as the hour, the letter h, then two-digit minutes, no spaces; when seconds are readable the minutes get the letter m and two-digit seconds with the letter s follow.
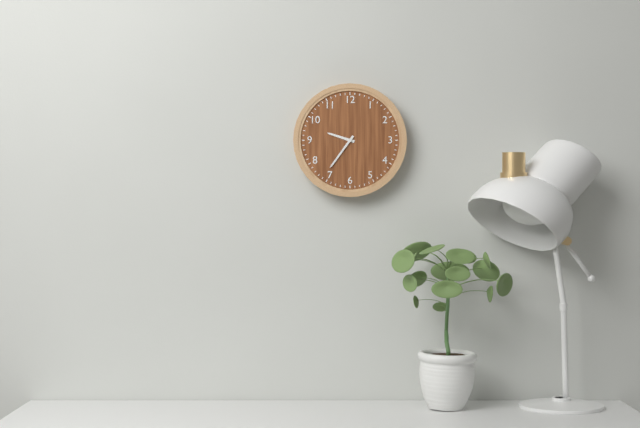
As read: 9h36
